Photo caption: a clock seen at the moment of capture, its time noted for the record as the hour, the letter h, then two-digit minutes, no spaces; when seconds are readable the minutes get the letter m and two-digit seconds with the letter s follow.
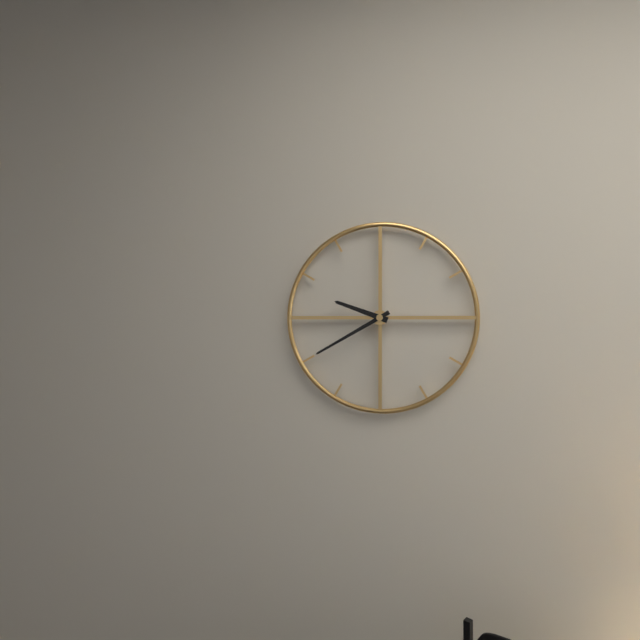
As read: 9h40
